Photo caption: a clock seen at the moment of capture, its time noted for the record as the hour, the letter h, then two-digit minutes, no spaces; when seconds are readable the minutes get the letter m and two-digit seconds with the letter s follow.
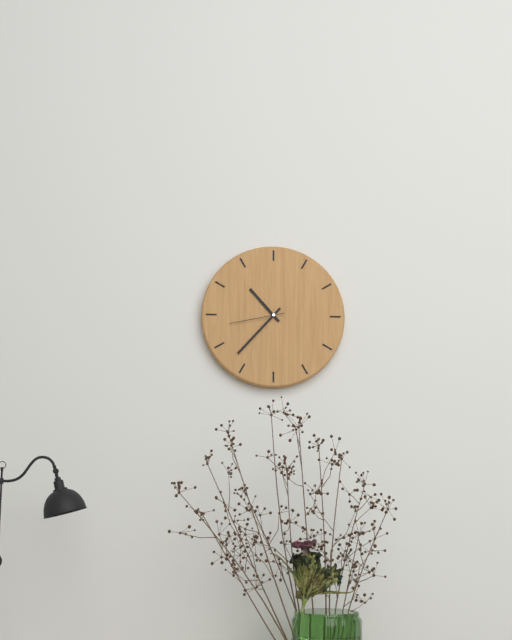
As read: 10h37m43s
